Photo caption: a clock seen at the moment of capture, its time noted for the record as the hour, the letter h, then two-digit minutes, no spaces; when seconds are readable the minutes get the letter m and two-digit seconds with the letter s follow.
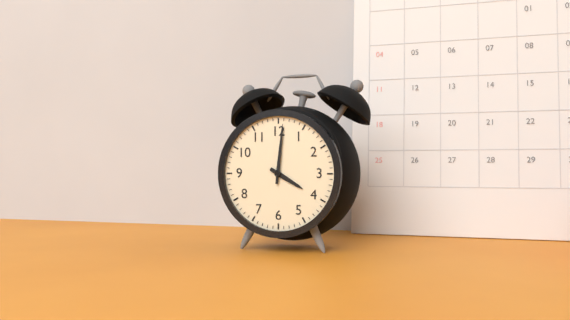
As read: 4h01
